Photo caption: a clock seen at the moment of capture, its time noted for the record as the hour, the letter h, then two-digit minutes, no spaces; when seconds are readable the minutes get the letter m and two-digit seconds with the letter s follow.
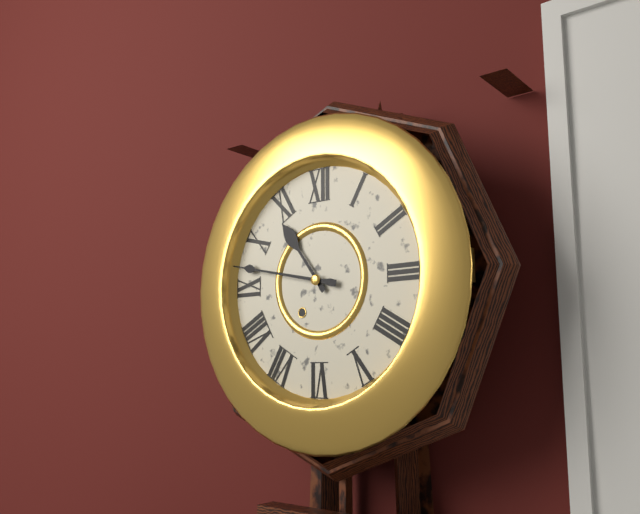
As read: 10h47
